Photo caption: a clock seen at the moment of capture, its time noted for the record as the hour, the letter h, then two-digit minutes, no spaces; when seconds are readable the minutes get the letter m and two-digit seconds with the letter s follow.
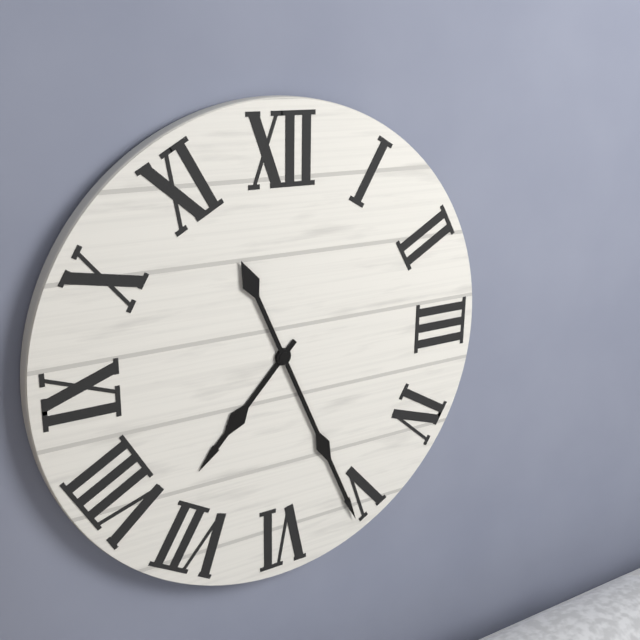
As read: 7h26
